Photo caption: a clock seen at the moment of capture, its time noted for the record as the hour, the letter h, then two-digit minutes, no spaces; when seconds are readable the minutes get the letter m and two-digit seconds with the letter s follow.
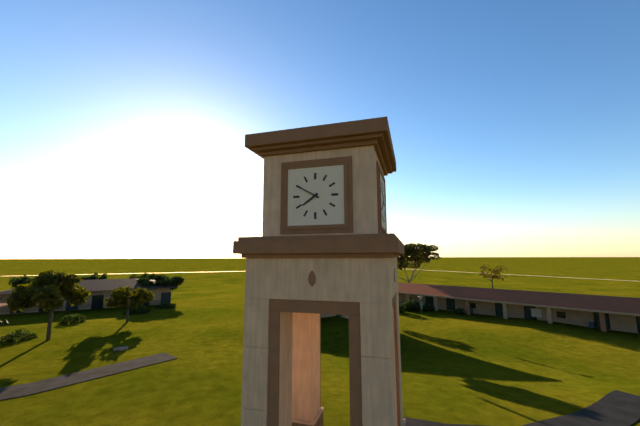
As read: 7h50
